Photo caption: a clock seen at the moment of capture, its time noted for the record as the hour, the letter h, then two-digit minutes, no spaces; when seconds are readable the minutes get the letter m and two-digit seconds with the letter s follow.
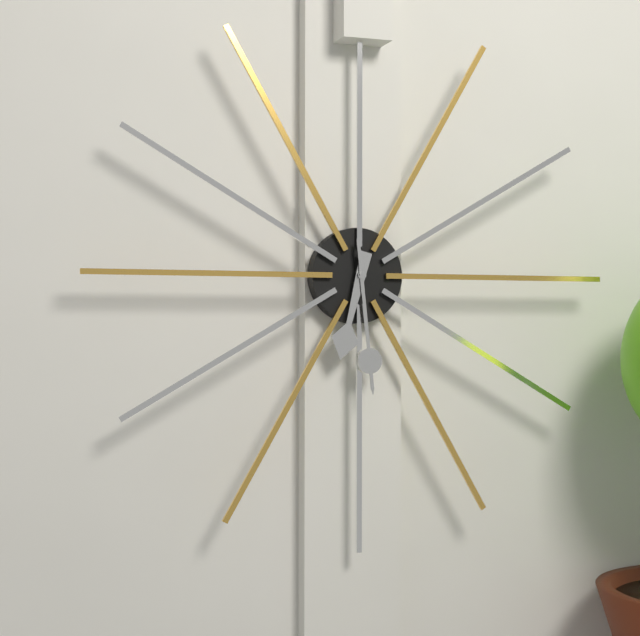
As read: 6h29
